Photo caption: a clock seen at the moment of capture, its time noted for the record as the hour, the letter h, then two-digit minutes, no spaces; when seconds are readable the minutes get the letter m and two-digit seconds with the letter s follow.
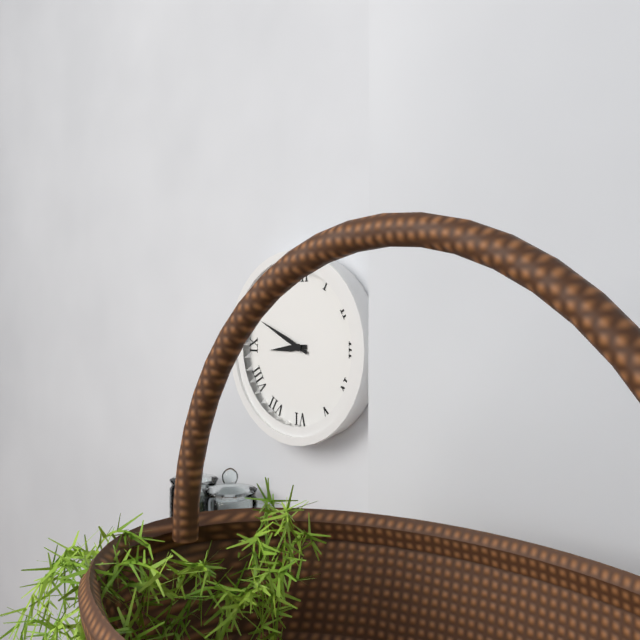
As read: 8h49
